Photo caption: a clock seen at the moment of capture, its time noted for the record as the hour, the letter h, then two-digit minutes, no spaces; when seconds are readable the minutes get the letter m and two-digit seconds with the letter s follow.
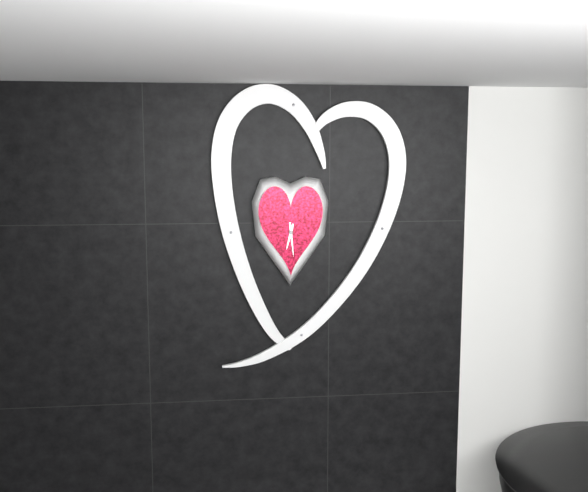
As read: 6h29
